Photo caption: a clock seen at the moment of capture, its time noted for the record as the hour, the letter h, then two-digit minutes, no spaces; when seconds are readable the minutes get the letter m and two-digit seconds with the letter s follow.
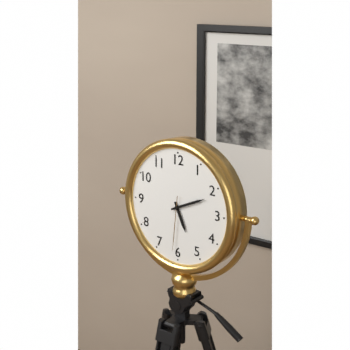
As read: 5h11m31s
